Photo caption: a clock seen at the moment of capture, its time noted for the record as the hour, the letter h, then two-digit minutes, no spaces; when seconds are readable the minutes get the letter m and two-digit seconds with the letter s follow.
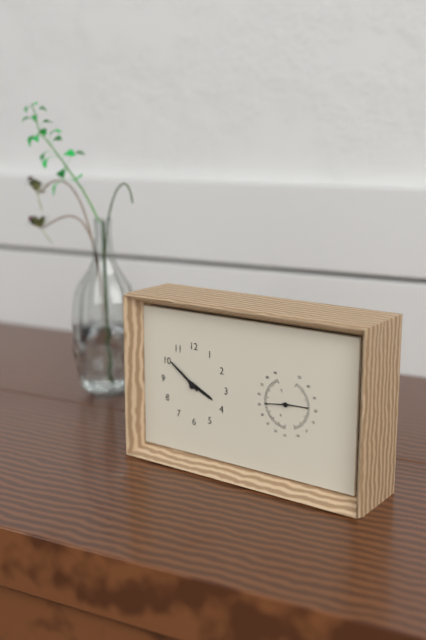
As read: 3h51
